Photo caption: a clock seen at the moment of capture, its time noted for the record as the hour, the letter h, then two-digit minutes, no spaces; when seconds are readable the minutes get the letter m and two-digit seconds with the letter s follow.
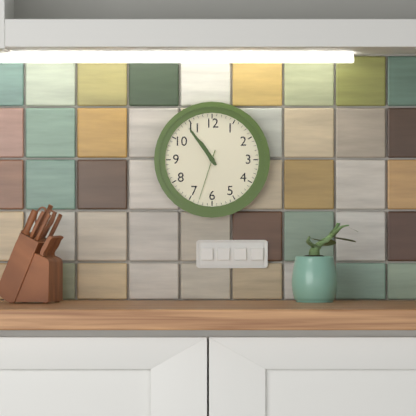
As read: 10h54m33s
